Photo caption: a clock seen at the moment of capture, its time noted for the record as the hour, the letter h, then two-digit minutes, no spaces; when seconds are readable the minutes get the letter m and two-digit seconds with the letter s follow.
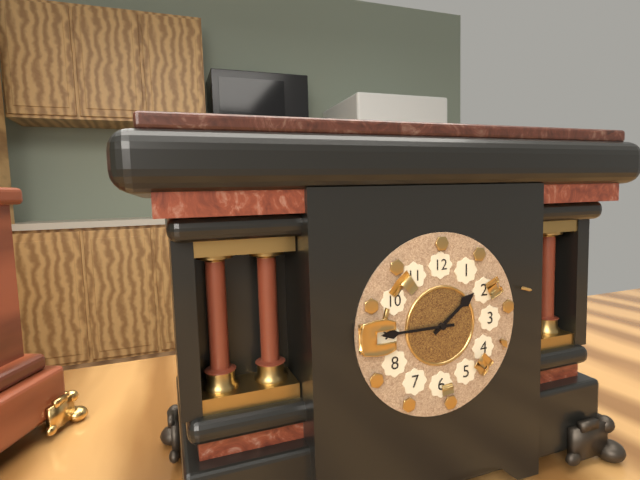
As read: 1h45
